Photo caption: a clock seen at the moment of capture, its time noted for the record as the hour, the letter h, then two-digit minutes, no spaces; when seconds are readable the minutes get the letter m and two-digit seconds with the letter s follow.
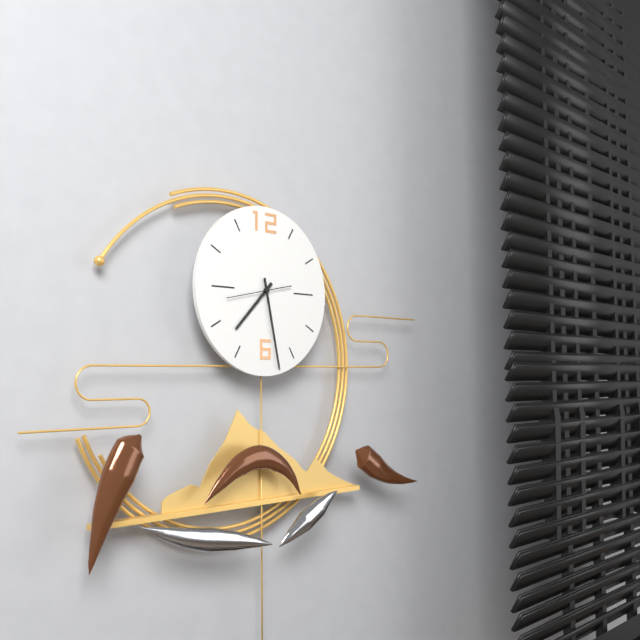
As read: 7h28
